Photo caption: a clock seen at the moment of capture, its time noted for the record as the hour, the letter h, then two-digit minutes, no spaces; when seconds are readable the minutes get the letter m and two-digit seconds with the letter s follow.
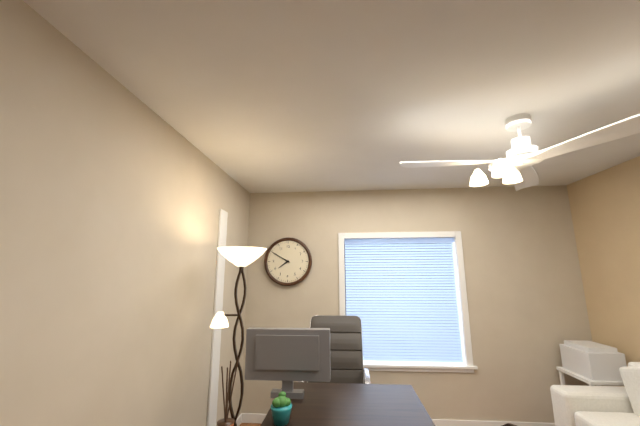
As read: 7h50
